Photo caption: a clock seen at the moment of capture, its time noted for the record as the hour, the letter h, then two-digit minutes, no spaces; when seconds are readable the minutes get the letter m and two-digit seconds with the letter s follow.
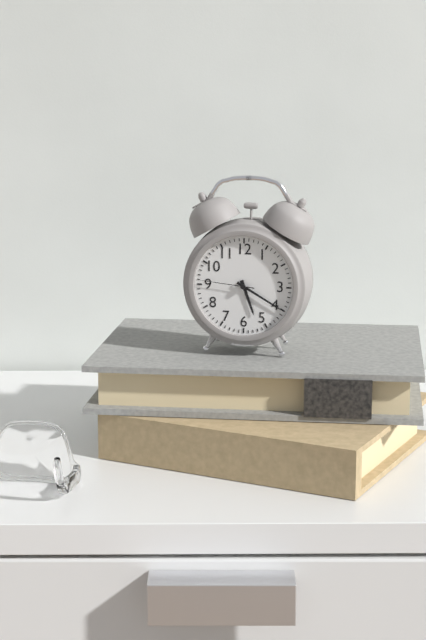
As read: 5h20m46s
